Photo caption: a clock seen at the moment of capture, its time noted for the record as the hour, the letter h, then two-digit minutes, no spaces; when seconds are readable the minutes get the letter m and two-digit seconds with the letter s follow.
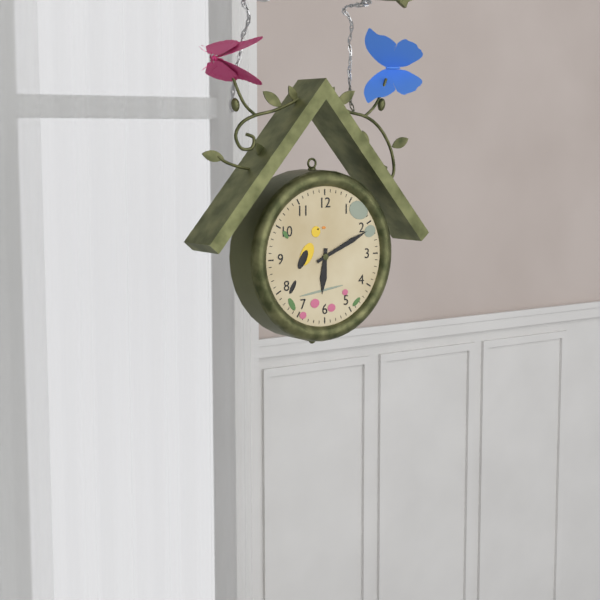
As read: 6h11
